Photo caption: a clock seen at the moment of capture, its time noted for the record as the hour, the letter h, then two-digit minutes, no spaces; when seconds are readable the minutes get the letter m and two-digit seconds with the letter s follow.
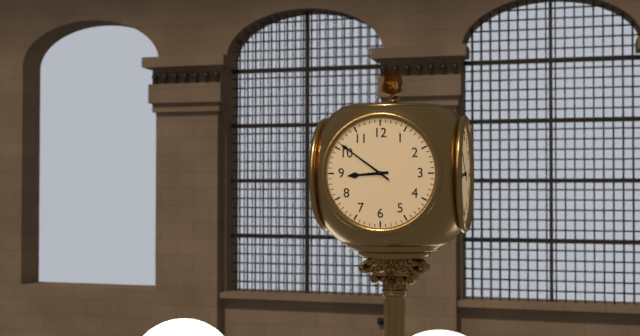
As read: 8h51
